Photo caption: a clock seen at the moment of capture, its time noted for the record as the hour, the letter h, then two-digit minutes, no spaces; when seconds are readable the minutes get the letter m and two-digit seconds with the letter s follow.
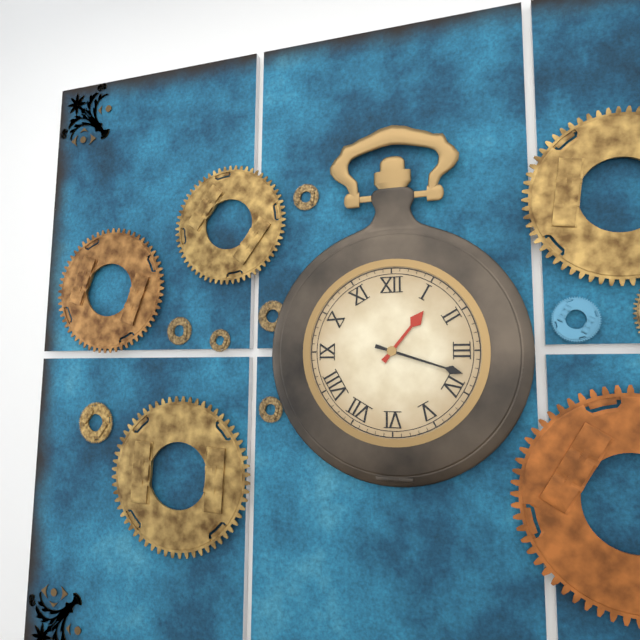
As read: 1h18
